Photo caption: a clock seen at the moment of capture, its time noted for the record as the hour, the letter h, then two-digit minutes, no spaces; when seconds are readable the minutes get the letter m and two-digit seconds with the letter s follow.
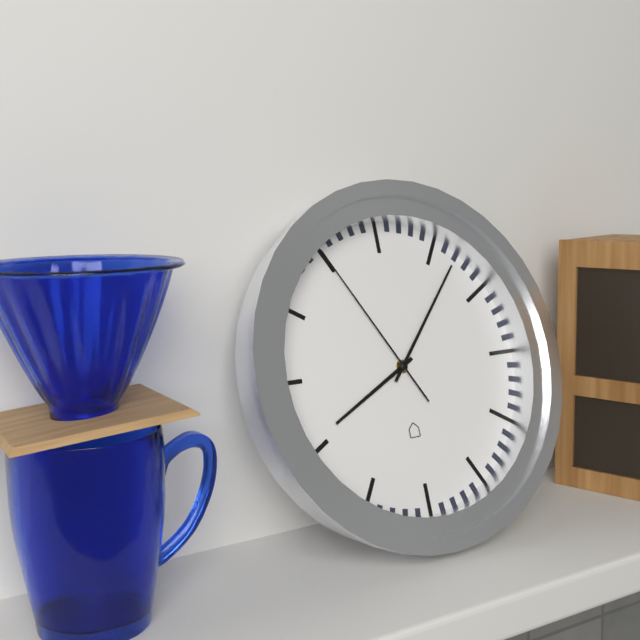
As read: 8h07m55s
